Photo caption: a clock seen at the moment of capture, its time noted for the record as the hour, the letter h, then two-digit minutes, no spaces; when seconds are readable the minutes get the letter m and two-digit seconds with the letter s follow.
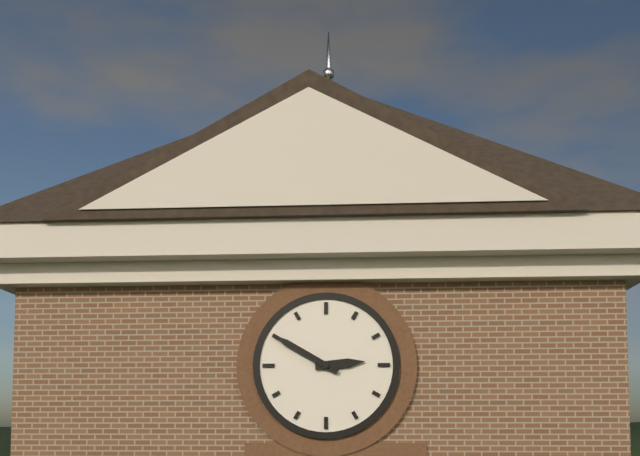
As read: 2h50
